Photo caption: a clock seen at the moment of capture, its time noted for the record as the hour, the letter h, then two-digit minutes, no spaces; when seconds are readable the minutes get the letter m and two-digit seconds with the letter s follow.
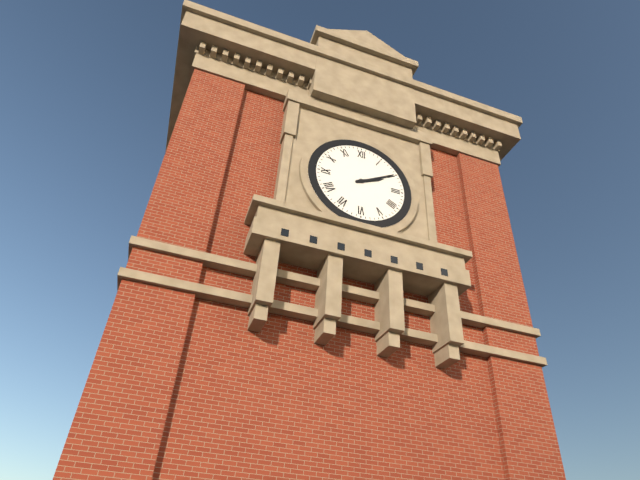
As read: 2h10
